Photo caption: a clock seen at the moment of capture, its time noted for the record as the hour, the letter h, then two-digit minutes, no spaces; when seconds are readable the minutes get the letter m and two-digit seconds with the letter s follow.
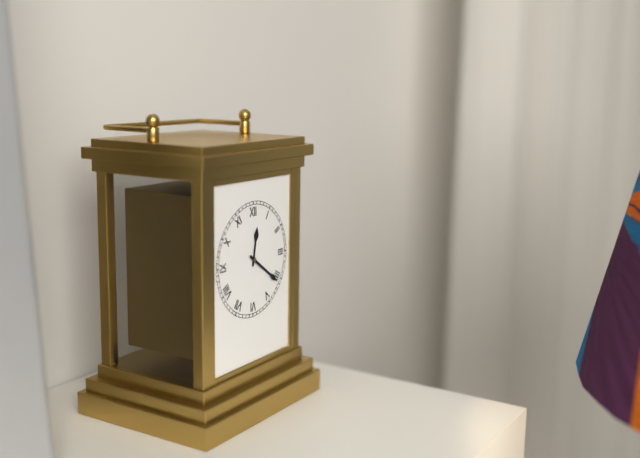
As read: 12h21
